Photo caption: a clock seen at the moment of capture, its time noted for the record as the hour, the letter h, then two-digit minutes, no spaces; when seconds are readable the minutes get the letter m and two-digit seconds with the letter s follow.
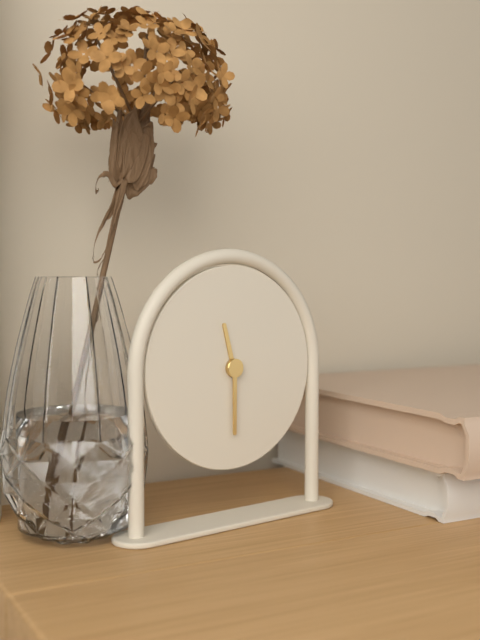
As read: 11h30
